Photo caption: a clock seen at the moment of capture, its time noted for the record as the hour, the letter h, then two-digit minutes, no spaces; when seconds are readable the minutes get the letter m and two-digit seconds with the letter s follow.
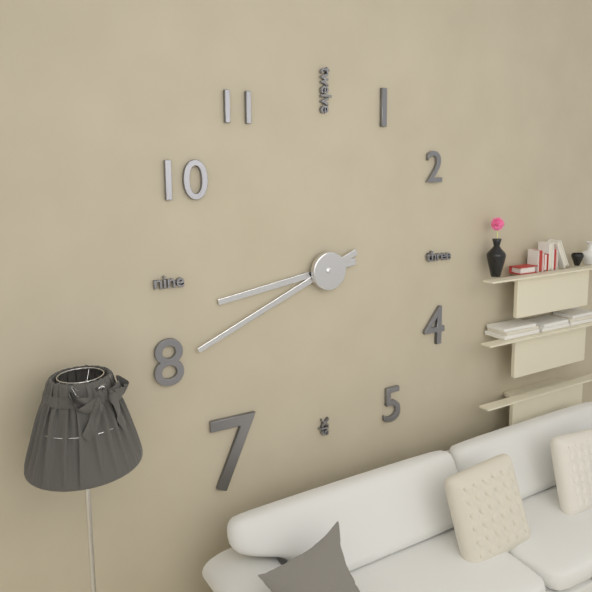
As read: 8h41
